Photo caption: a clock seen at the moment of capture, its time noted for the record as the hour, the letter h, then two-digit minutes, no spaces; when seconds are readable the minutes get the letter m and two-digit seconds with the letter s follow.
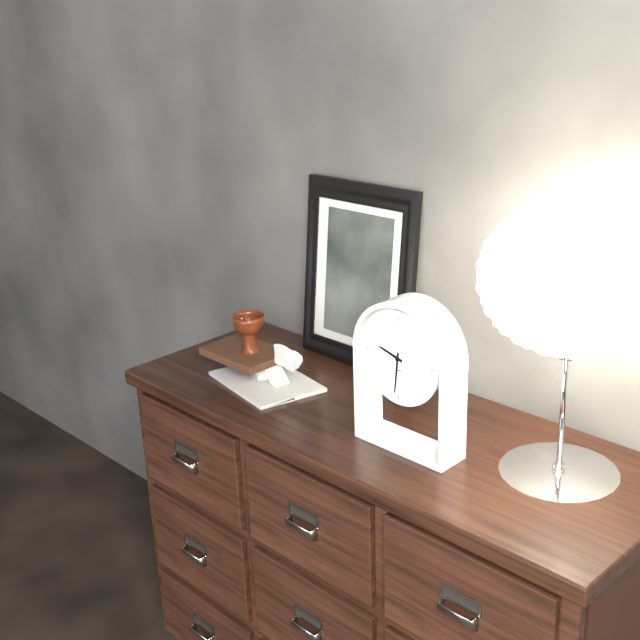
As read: 9h31
